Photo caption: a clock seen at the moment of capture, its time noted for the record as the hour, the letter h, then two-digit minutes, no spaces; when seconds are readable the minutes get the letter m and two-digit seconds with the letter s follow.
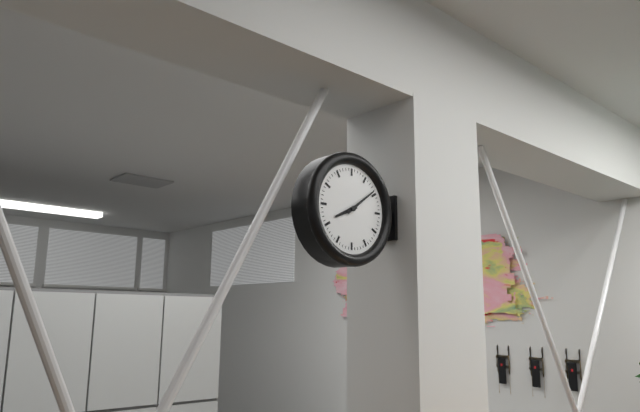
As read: 8h09
